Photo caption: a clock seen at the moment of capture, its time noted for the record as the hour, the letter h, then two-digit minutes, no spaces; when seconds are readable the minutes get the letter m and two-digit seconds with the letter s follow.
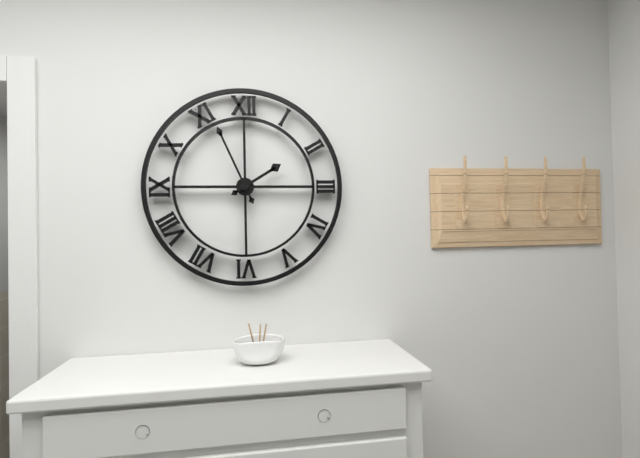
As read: 1h56
